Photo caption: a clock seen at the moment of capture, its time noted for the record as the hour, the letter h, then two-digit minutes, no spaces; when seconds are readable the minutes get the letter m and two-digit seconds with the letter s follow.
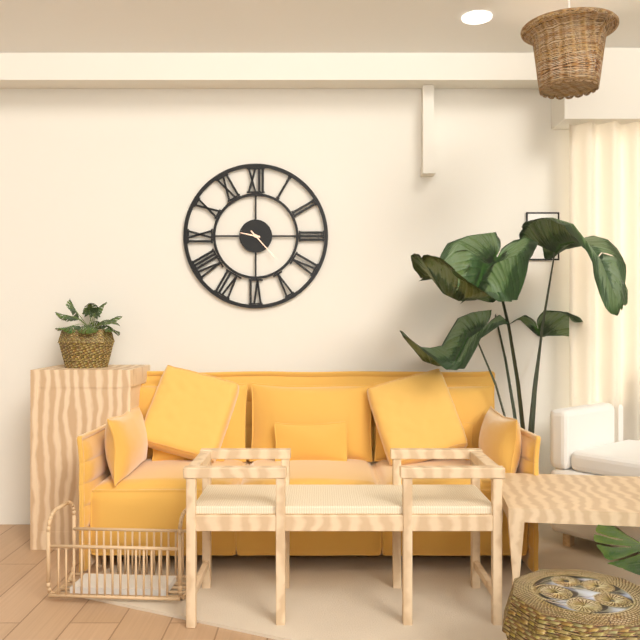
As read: 9h23
